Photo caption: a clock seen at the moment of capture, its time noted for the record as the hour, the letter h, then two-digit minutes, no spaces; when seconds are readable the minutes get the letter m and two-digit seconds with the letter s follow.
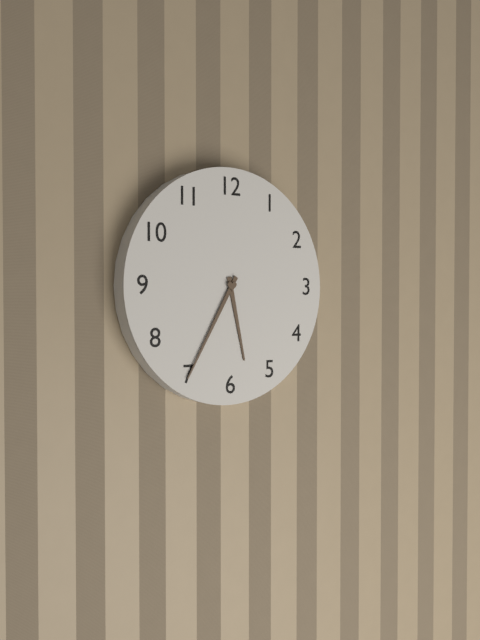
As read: 5h35
